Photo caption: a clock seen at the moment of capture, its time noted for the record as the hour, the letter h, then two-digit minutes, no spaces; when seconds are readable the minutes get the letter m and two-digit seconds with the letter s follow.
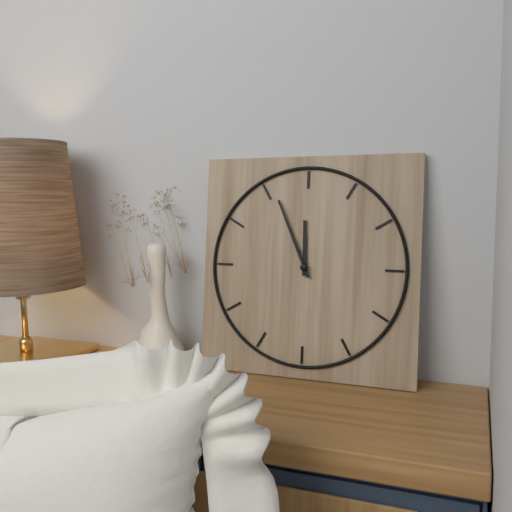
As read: 11h56
